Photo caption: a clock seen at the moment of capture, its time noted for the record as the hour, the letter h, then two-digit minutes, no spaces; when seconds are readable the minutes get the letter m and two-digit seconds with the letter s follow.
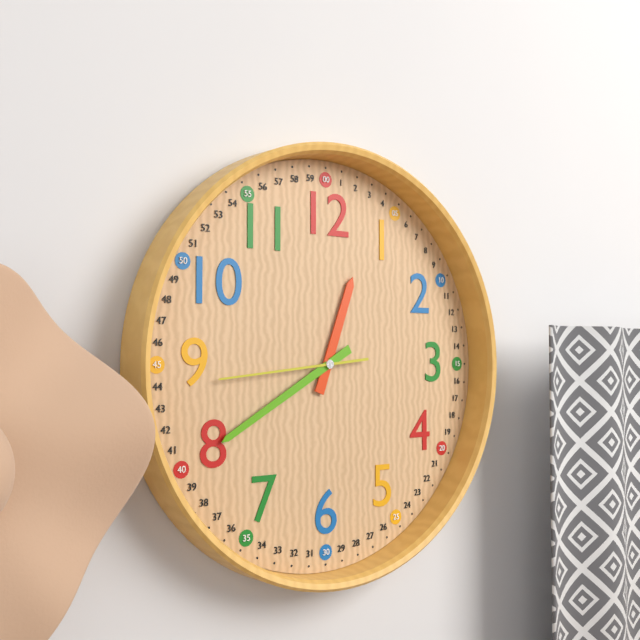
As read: 12h40m44s
